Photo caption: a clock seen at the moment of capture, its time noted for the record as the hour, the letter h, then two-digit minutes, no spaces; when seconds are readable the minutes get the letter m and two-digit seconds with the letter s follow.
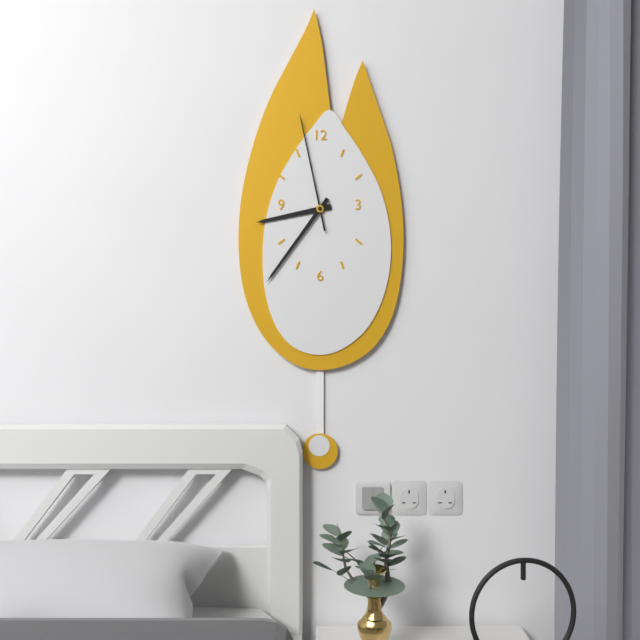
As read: 8h36m58s
